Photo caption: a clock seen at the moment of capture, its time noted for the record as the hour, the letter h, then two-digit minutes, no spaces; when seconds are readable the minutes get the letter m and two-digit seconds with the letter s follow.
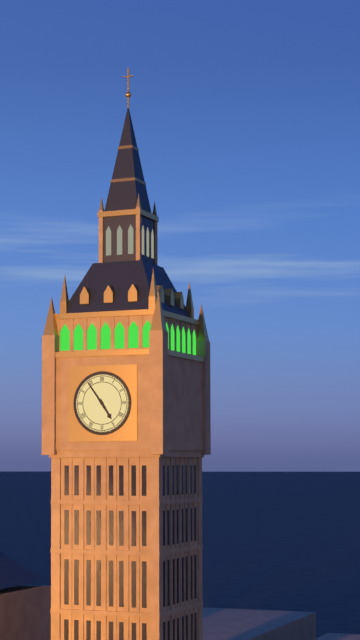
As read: 4h54
